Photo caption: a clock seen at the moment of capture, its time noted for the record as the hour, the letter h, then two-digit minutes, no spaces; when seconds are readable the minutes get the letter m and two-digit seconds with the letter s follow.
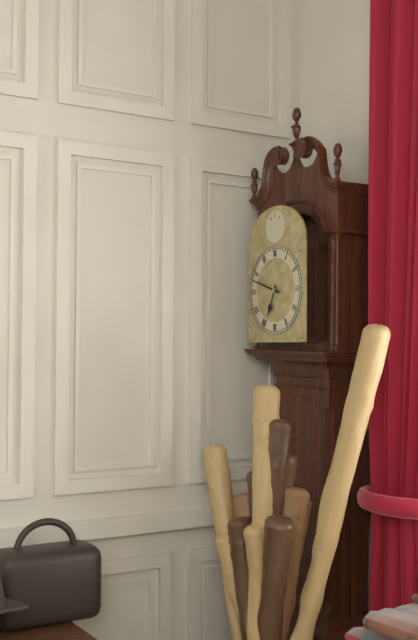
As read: 6h48
